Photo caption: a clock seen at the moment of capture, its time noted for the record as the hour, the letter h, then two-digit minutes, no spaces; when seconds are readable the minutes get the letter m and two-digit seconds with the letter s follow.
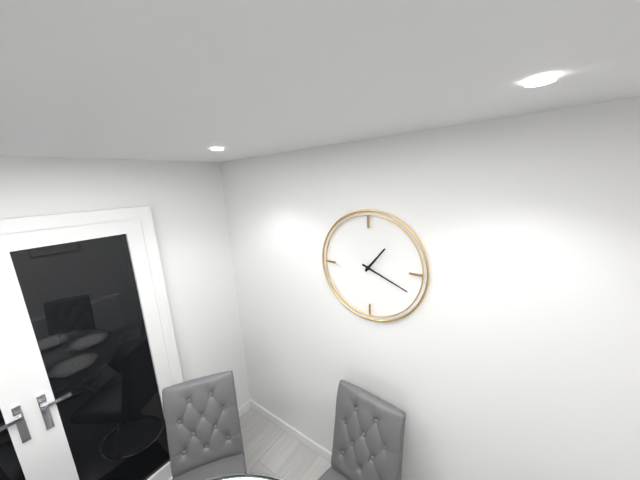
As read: 1h19
